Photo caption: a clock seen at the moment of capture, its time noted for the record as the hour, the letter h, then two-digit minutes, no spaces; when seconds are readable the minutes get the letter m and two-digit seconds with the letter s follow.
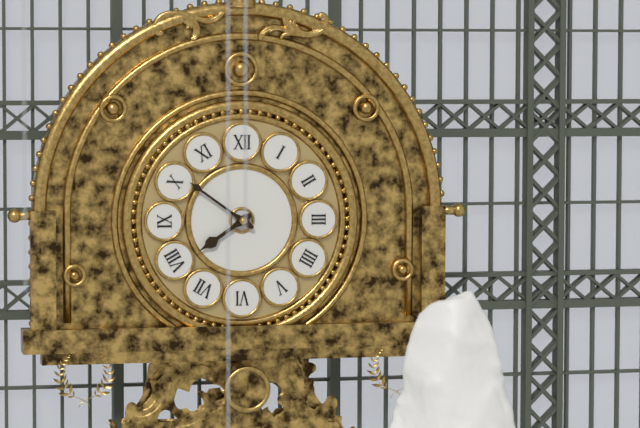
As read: 7h51
